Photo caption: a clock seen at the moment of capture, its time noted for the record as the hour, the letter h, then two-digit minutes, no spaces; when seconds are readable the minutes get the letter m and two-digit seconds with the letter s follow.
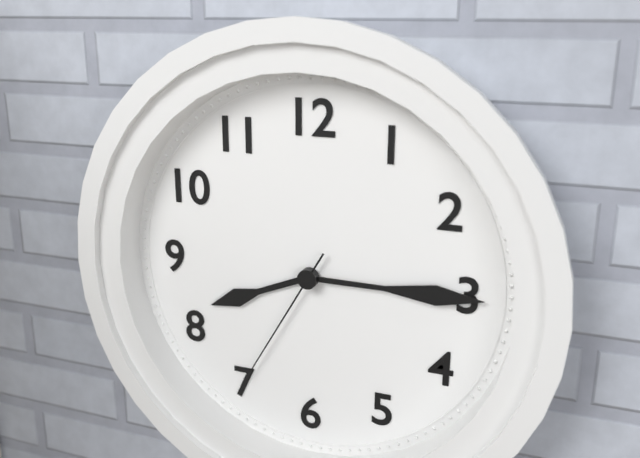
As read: 8h15m35s
